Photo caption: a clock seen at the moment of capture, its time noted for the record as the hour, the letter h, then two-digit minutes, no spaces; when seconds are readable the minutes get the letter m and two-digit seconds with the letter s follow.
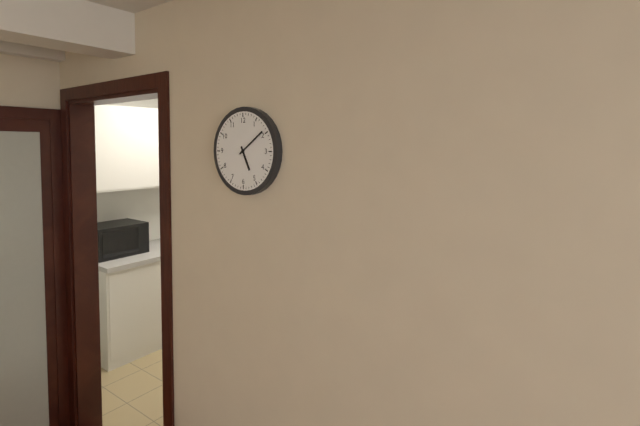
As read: 5h09
